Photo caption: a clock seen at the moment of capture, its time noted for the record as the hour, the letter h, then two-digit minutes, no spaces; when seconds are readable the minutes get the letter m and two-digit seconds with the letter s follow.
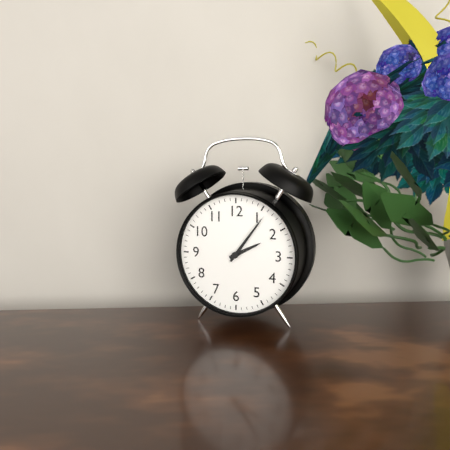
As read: 2h06
